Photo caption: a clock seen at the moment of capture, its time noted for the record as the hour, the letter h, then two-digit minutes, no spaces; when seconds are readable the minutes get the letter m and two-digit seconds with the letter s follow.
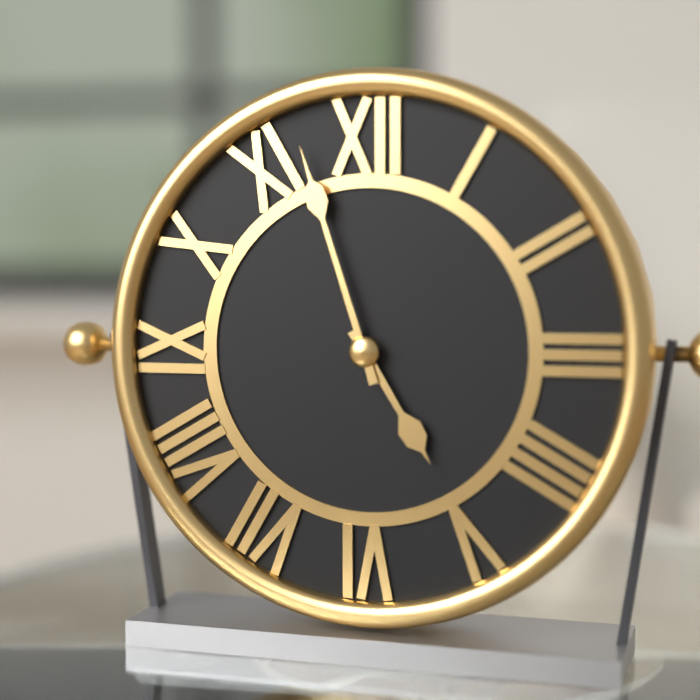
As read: 4h57
